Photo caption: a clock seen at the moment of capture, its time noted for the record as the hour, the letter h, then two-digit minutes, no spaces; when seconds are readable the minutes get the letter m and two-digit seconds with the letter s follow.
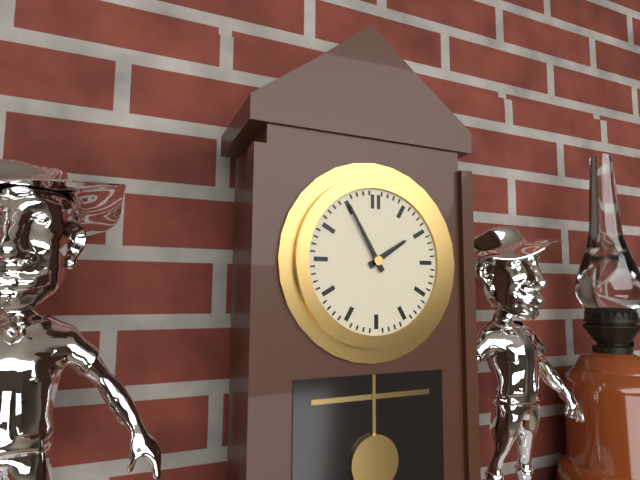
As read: 1h55
